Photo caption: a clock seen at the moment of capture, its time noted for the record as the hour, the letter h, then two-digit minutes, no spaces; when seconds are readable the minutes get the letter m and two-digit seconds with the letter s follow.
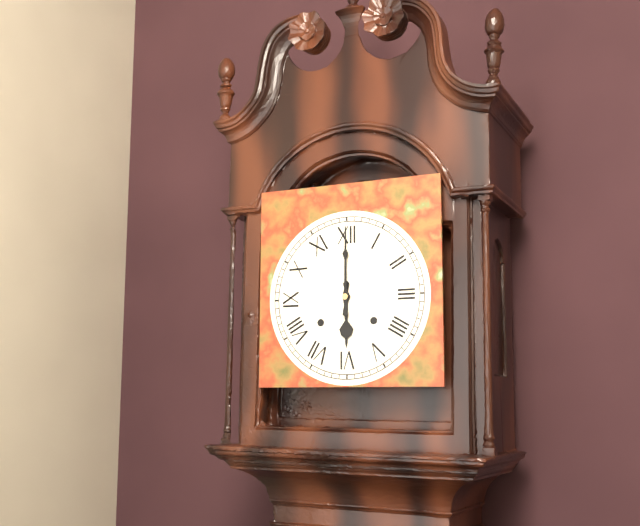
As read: 6h00
